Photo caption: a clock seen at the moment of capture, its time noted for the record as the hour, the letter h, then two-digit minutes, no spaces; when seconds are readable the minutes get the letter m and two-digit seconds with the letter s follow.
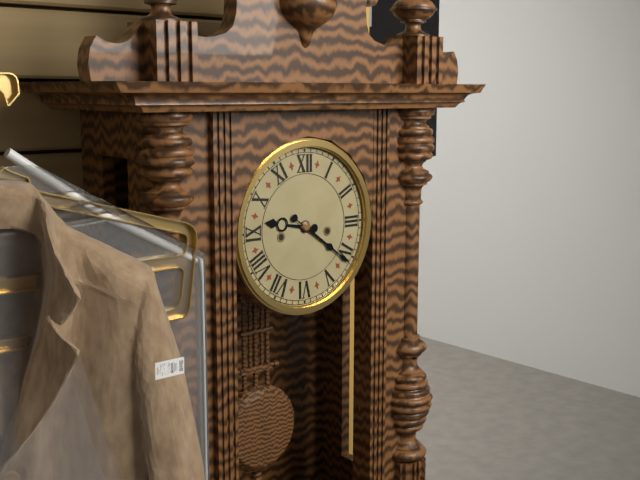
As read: 9h21
